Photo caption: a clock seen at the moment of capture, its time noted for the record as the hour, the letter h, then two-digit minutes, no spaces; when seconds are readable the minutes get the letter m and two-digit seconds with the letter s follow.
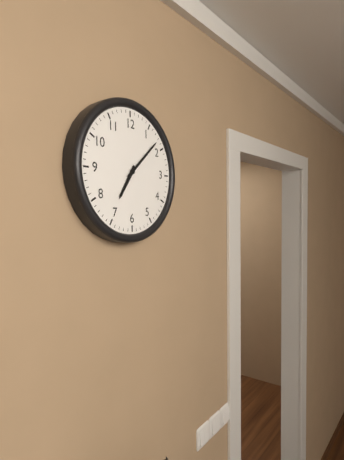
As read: 7h08
